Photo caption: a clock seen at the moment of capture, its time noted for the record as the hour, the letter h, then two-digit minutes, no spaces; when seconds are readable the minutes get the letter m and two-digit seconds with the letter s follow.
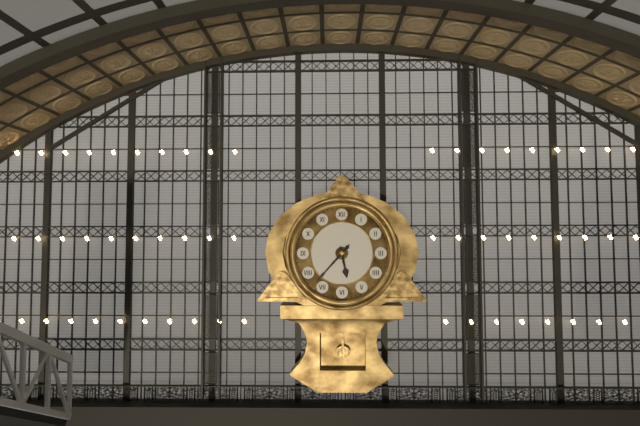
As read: 5h37
